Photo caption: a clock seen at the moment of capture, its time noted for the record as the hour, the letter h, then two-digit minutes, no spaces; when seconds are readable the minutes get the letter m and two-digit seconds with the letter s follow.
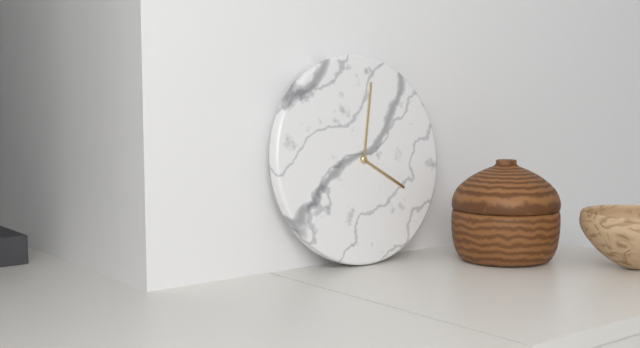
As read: 4h02
